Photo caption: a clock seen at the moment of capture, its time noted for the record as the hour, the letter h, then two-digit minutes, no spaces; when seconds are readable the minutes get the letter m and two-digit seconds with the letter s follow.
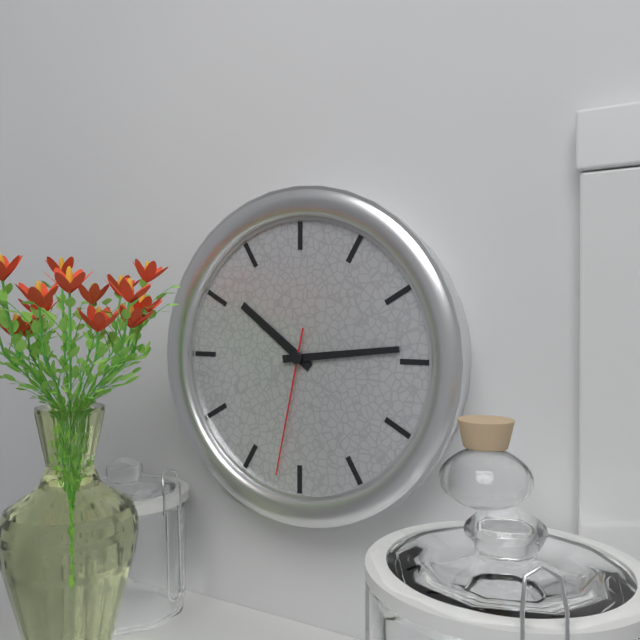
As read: 10h14m32s
